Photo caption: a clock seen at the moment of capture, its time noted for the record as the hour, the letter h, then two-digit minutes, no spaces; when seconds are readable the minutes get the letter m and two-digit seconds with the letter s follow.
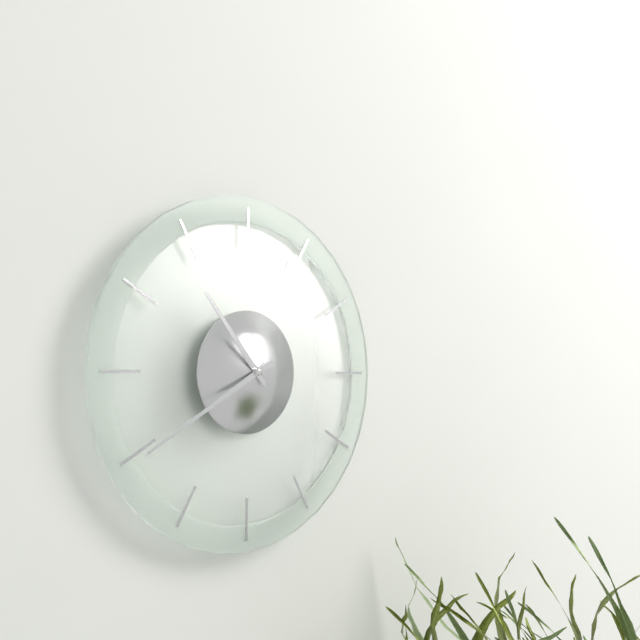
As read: 10h40
